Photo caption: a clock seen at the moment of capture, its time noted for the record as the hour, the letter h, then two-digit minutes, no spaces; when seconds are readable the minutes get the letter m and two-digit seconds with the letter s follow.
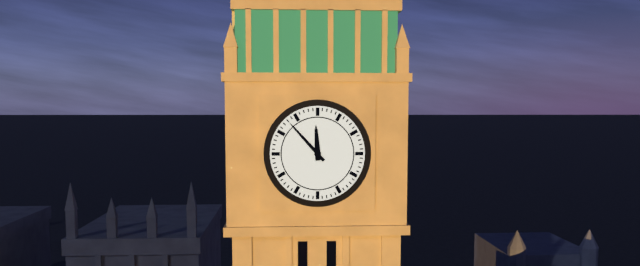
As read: 11h53
